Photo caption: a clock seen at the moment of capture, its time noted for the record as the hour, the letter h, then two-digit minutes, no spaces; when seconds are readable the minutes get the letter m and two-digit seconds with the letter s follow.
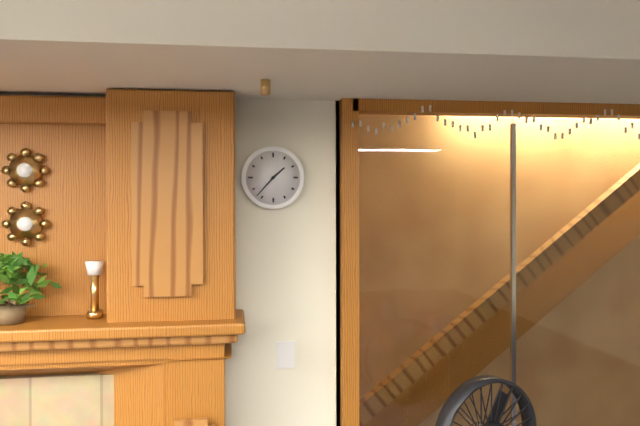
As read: 1h37
